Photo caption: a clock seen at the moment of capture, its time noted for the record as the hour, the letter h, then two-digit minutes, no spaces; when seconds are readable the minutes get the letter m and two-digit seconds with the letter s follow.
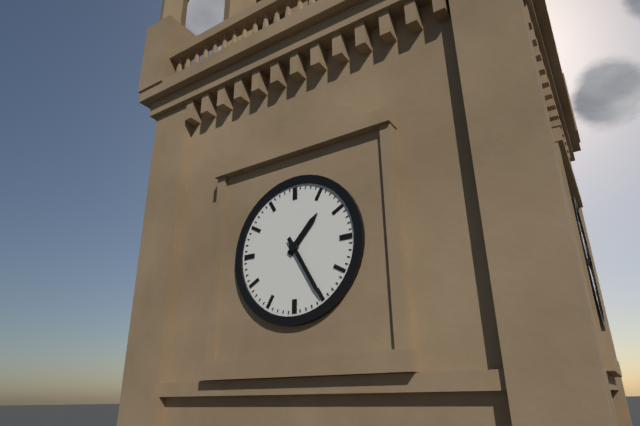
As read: 1h25
